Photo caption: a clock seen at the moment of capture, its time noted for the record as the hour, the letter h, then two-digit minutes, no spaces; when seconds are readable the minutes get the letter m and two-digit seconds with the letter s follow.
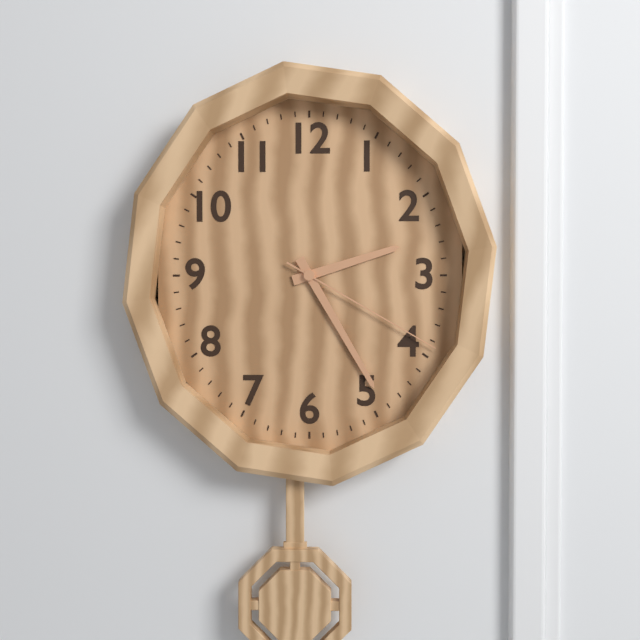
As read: 2h25m20s
